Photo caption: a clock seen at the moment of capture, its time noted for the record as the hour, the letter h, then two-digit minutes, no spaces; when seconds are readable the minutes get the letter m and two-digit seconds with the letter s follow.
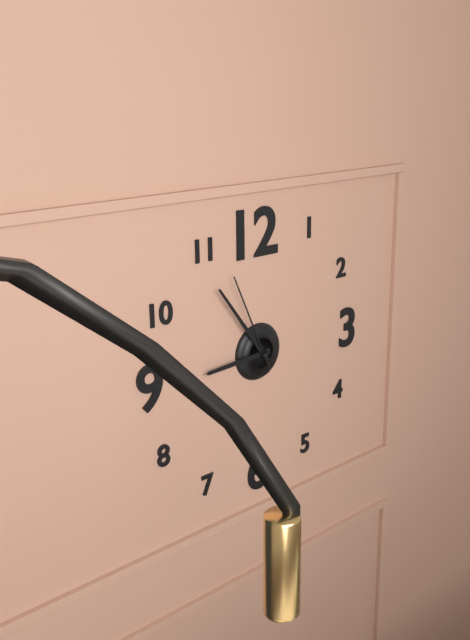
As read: 8h54m56s
